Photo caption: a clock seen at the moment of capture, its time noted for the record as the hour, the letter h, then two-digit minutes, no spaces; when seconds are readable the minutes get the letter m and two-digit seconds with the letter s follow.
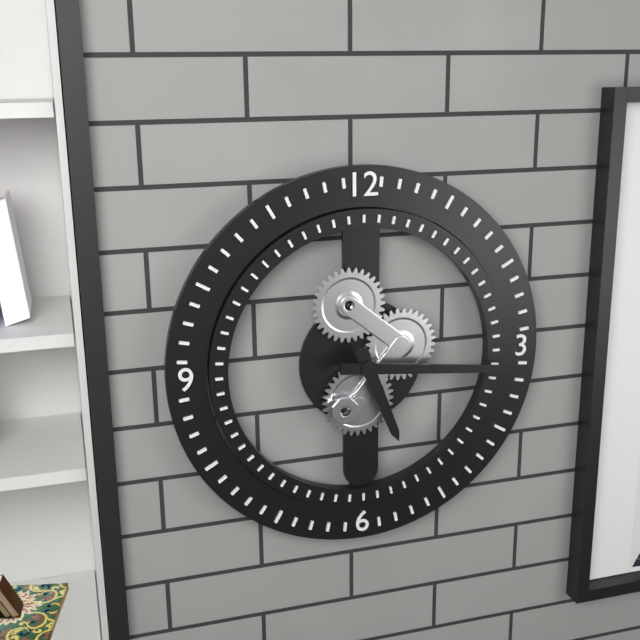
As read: 5h16
